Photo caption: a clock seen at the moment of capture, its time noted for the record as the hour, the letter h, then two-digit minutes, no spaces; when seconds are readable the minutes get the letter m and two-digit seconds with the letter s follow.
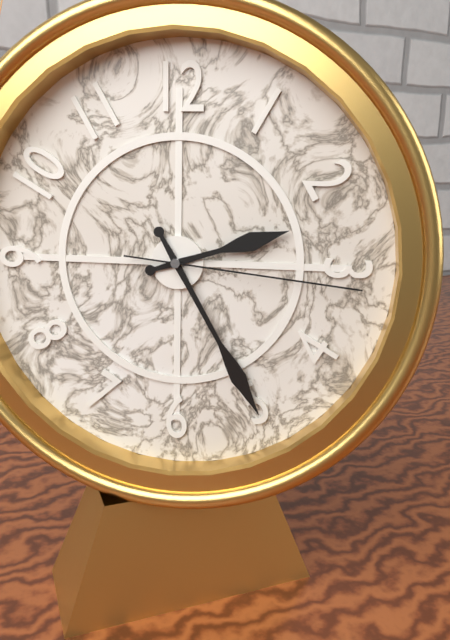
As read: 2h25m16s
